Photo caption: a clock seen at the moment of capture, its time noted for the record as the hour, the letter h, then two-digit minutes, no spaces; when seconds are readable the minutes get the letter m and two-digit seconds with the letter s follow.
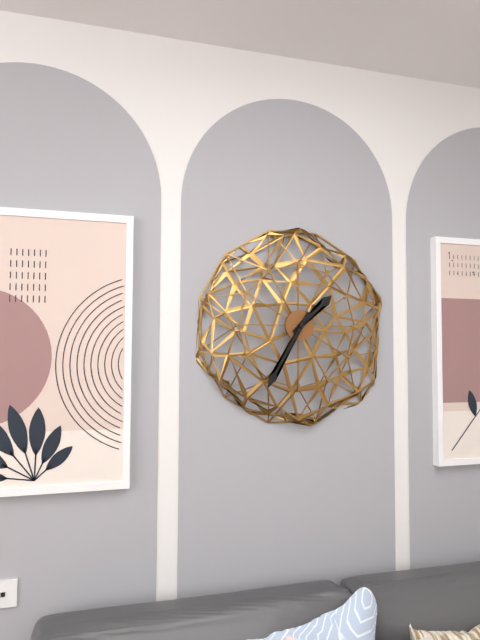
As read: 1h35
